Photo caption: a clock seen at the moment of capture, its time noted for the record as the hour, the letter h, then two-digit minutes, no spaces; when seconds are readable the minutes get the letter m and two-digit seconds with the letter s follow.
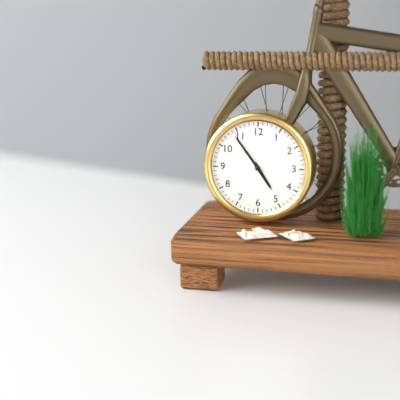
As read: 4h54
